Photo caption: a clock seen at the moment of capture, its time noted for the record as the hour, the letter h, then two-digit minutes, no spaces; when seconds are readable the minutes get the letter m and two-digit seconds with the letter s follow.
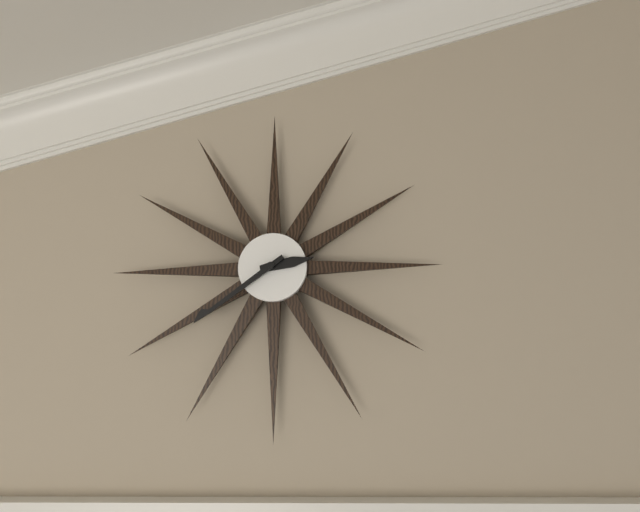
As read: 2h39
